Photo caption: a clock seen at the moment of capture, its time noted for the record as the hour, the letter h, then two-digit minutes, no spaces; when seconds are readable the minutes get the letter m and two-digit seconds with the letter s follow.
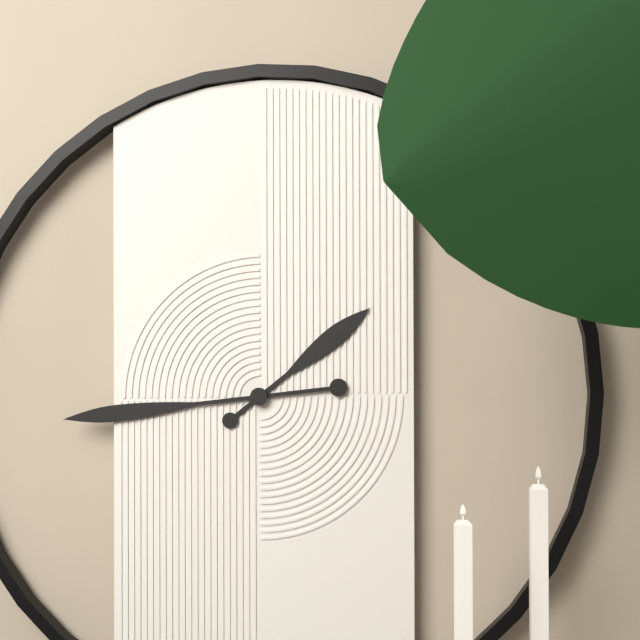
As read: 1h44
